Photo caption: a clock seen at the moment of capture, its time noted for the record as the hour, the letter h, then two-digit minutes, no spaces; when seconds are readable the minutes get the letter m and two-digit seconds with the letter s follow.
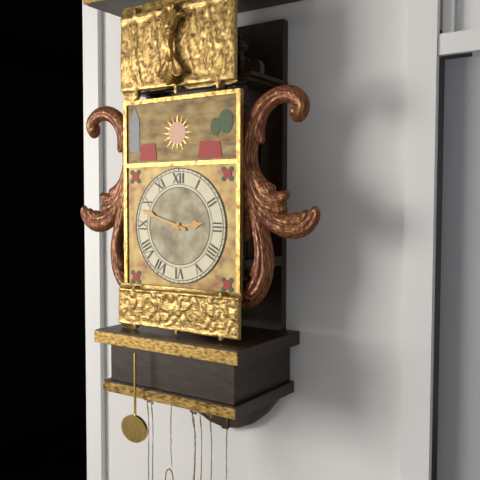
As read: 2h48
